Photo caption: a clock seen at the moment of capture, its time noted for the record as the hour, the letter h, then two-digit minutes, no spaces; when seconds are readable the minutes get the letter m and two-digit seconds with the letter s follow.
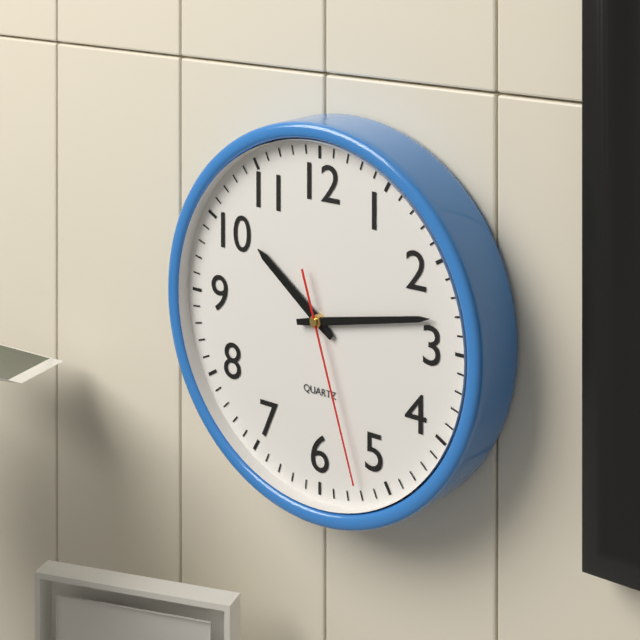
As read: 10h13m27s
